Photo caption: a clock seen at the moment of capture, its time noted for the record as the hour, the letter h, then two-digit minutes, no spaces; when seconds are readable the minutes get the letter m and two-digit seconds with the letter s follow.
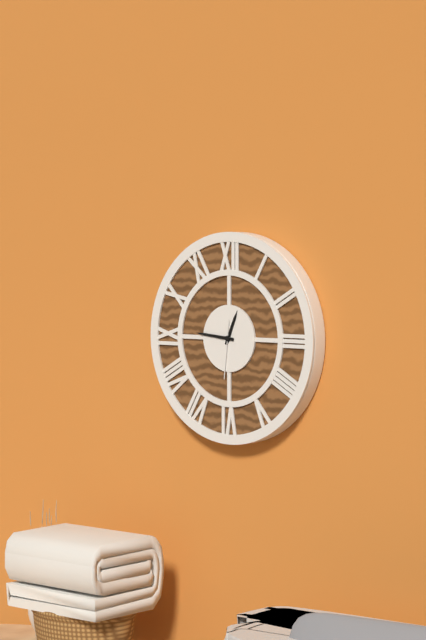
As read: 12h46m31s
